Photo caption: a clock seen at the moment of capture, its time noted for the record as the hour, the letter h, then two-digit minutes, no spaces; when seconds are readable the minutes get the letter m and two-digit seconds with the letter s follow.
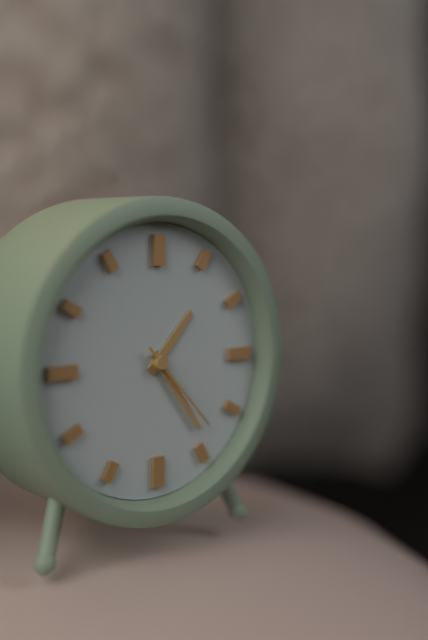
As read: 1h24m23s
